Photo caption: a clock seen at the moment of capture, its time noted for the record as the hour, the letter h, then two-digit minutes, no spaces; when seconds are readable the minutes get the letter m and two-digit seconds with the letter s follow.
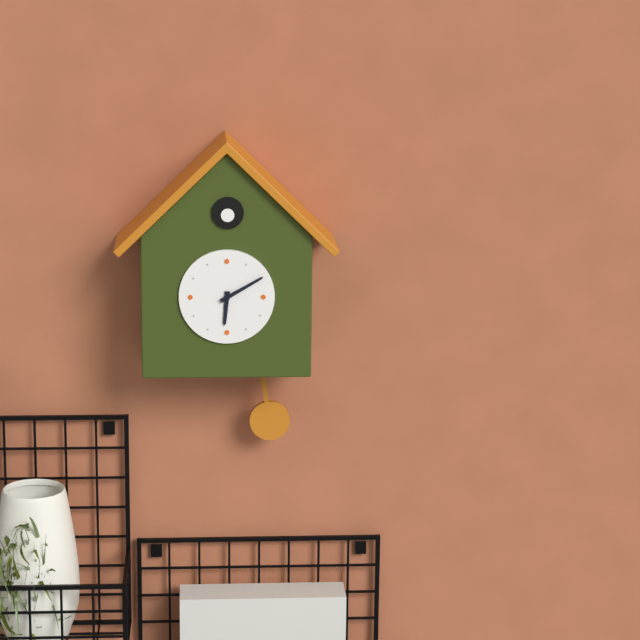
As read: 6h10
